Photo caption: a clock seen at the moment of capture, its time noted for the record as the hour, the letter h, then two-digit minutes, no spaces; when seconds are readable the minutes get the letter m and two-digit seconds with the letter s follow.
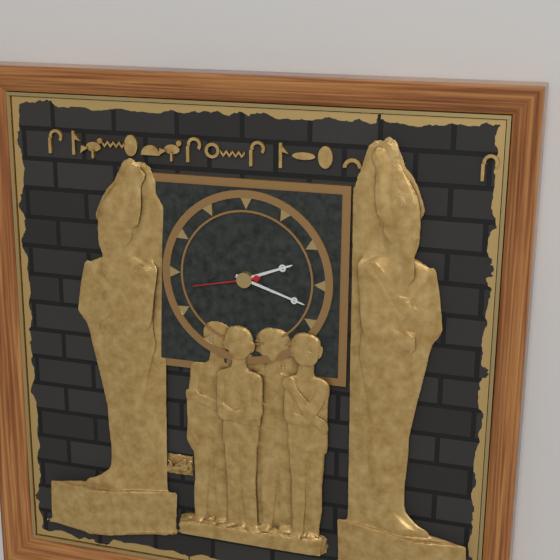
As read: 2h18m43s
